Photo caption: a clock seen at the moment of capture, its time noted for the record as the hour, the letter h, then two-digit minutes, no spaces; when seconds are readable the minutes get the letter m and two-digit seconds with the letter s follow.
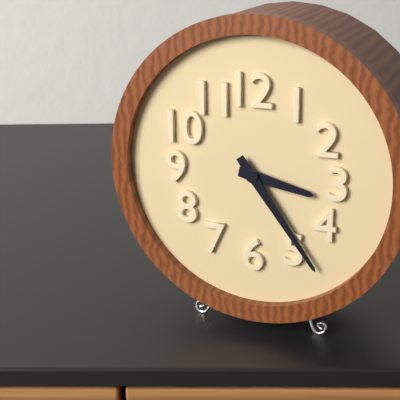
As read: 3h24
